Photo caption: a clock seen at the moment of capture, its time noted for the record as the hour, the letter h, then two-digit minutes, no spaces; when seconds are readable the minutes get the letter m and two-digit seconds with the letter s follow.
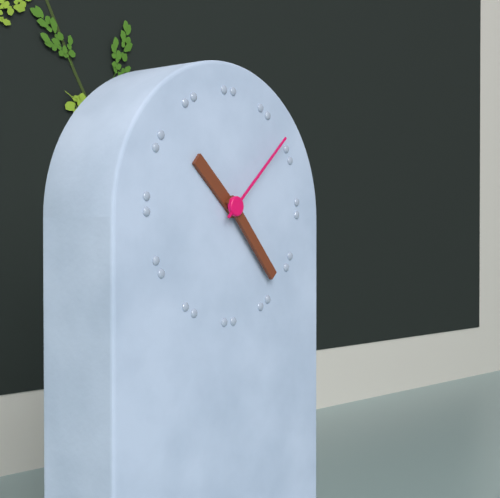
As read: 10h23m08s
